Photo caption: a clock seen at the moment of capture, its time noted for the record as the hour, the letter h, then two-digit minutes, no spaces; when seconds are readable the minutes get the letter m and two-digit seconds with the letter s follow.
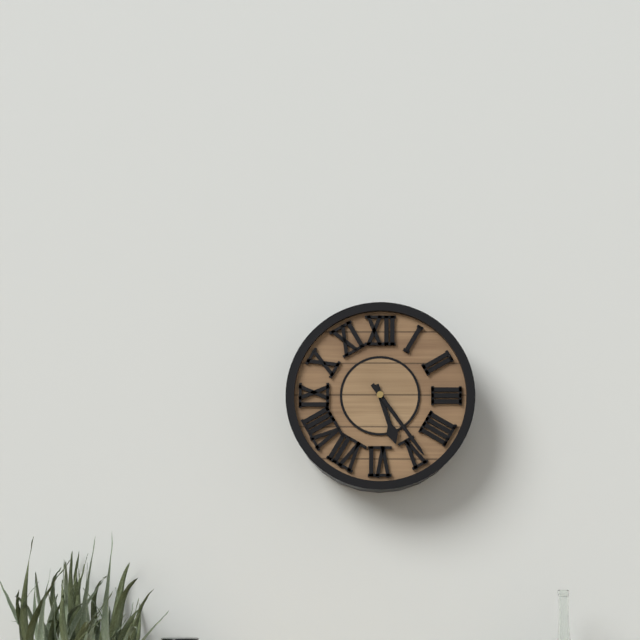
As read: 5h24
